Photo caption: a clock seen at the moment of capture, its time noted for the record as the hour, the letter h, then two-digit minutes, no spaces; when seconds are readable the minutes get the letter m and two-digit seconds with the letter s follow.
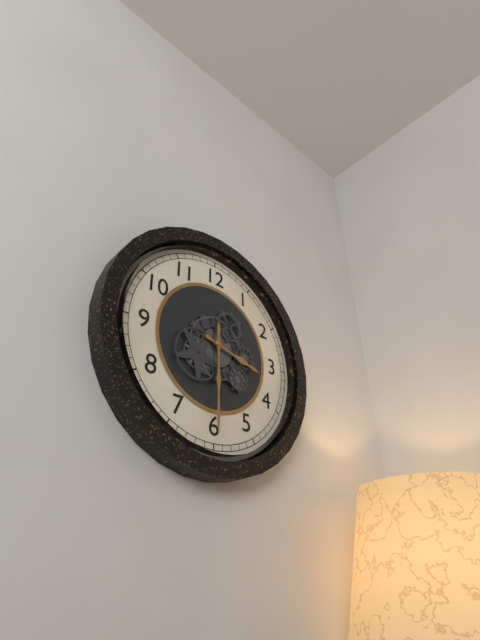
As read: 3h30
